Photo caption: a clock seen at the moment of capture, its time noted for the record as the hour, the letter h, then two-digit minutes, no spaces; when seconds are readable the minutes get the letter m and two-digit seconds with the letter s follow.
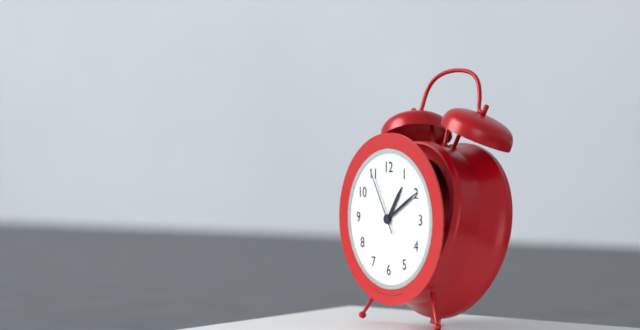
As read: 1h10m55s
